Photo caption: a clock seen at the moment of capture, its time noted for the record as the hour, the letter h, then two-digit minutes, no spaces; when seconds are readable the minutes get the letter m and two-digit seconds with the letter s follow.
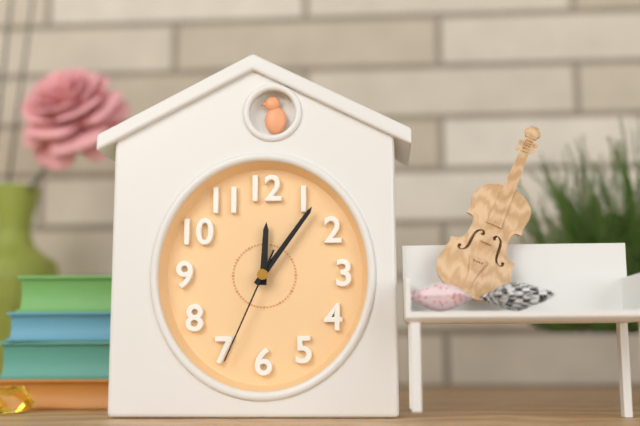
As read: 12h06m34s
